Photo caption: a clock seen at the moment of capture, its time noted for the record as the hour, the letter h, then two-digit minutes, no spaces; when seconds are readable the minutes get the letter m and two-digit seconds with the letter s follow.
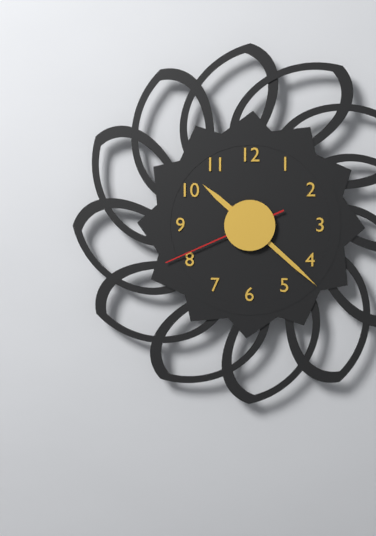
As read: 10h22m41s
